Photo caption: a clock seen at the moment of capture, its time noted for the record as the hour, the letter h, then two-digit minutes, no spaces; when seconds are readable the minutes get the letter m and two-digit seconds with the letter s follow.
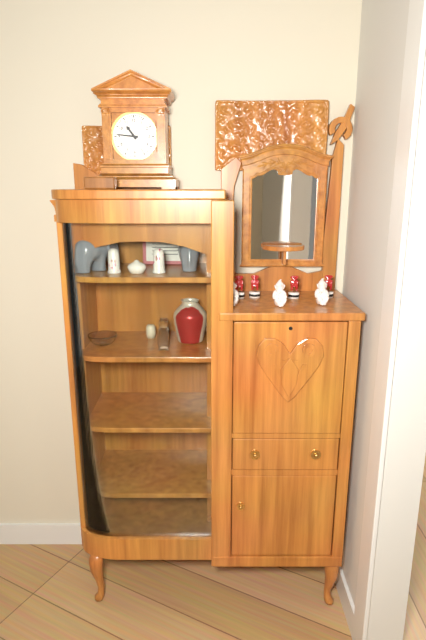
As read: 10h46
